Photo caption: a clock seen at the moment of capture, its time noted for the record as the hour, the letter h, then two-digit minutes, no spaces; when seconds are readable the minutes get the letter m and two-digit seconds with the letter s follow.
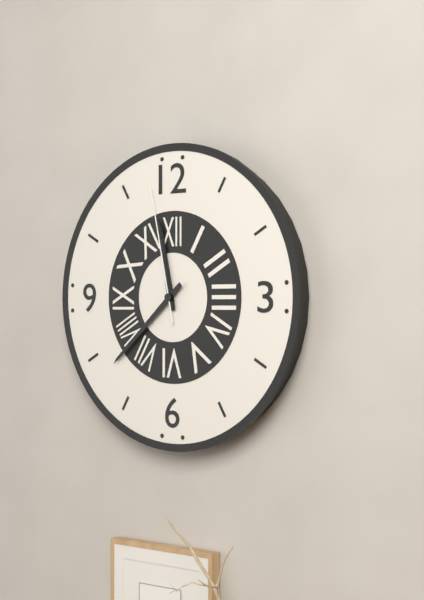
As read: 11h38m58s
